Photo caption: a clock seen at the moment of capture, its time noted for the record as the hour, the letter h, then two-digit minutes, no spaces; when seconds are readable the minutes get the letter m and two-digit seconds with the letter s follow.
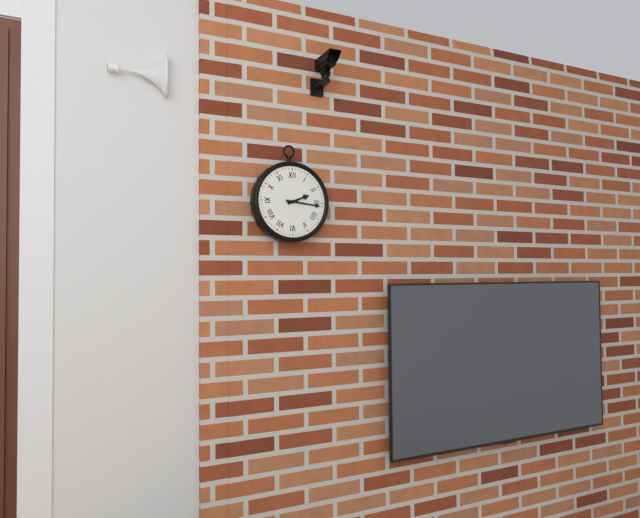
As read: 2h16
